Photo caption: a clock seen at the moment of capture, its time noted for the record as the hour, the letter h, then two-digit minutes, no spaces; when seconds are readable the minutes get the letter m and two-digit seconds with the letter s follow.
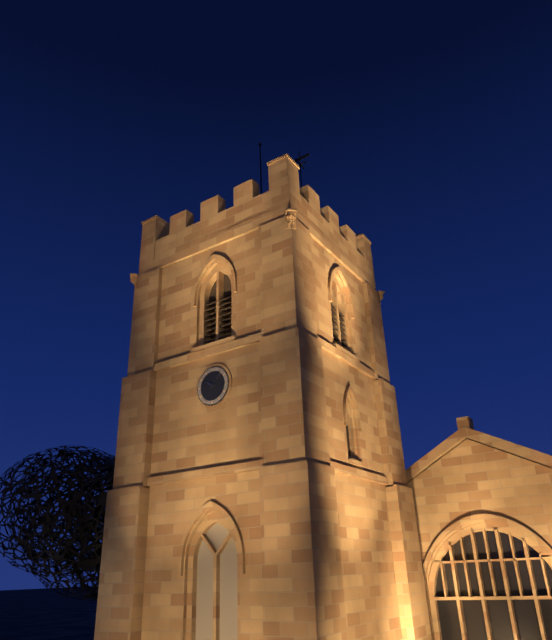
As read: 10h07
